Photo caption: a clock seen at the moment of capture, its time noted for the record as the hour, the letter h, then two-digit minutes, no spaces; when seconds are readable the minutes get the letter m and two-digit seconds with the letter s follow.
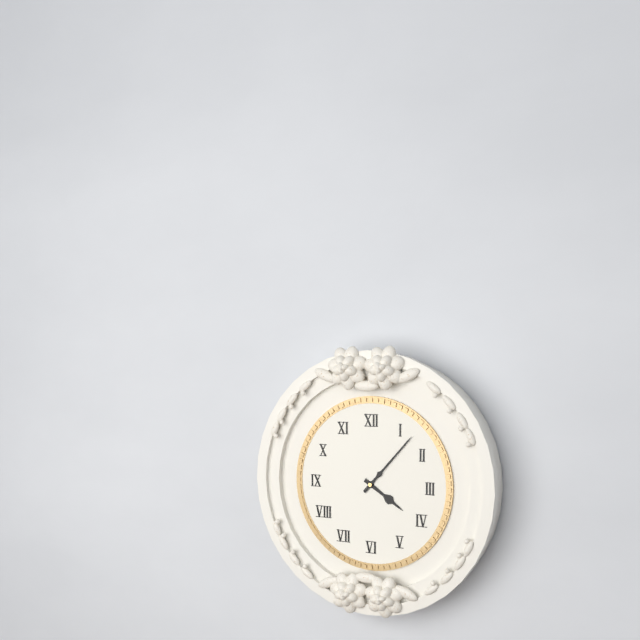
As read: 4h07
